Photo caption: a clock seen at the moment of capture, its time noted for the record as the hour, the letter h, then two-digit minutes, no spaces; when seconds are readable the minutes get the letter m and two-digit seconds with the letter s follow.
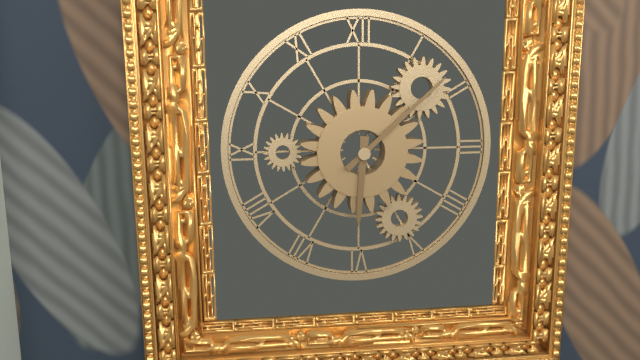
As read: 6h08
